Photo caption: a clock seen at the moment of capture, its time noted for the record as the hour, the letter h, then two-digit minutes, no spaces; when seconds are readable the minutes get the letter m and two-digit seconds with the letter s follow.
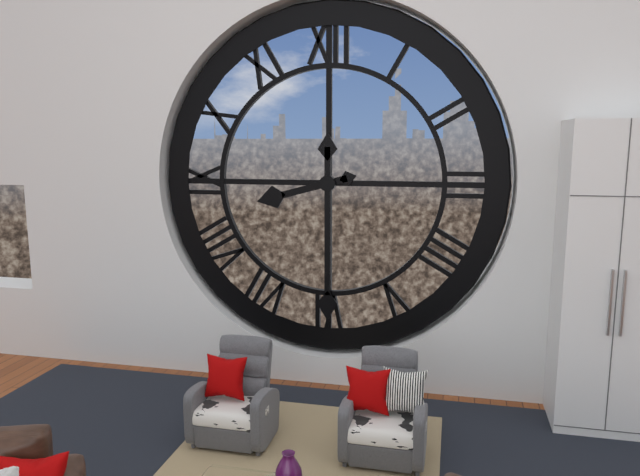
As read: 8h30
